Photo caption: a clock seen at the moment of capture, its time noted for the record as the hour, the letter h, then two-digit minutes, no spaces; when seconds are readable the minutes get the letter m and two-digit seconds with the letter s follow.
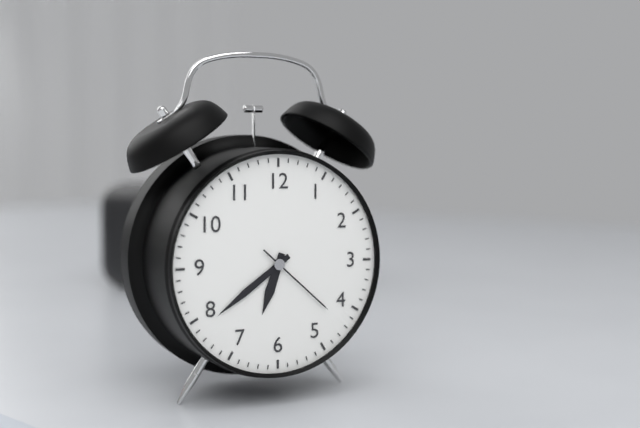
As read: 6h39m22s
